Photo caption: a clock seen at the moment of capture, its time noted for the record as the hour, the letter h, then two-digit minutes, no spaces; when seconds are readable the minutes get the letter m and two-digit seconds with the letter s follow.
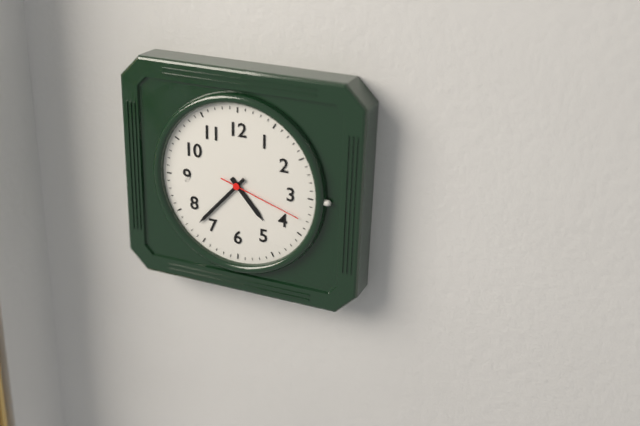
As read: 4h37m18s
